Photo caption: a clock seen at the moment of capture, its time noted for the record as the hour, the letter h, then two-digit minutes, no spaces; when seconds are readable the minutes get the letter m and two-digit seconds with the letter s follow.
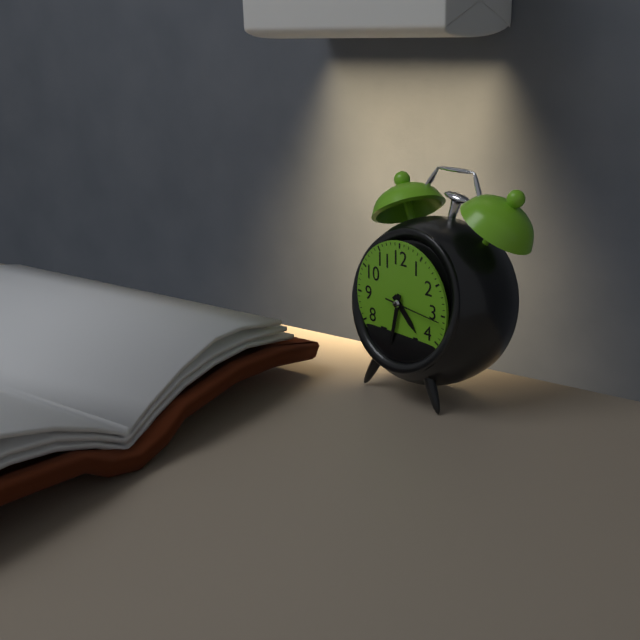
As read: 4h32m16s
